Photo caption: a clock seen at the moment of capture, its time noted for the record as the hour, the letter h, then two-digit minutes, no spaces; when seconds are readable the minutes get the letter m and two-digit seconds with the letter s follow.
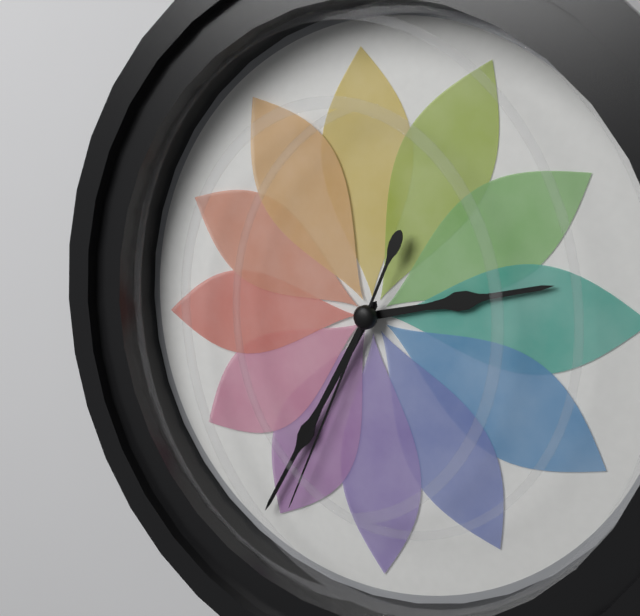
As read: 2h35m34s
